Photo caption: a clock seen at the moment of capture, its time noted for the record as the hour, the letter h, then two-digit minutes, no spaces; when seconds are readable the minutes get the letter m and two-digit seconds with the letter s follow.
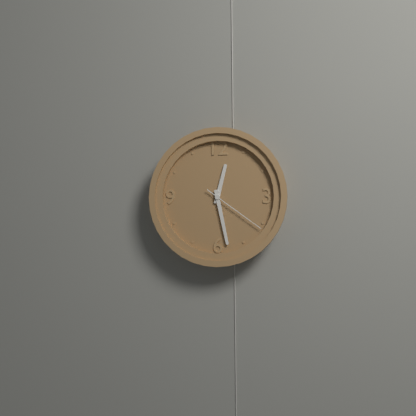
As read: 12h28m21s
